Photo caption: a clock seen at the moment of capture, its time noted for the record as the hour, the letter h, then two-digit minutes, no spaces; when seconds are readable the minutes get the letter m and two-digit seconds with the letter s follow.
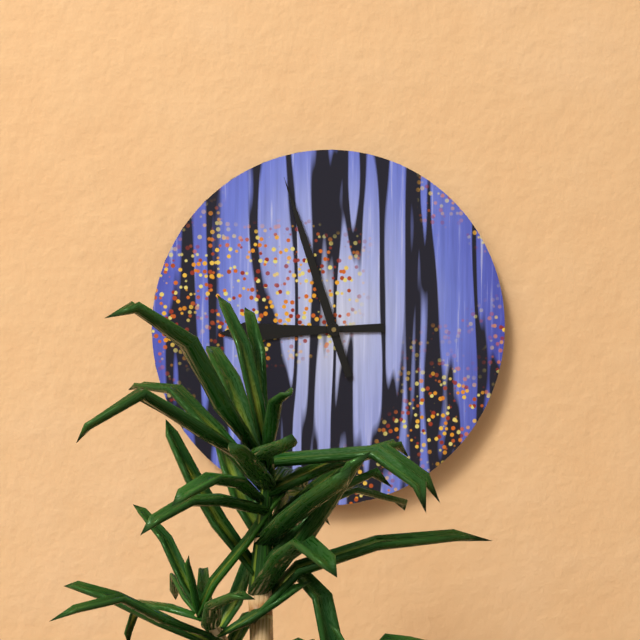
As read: 8h57
